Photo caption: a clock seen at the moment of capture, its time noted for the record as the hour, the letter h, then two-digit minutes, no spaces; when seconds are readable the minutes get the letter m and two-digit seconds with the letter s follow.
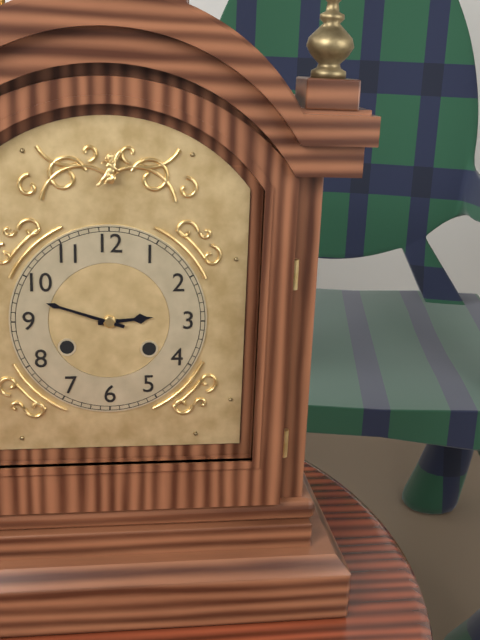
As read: 2h48
